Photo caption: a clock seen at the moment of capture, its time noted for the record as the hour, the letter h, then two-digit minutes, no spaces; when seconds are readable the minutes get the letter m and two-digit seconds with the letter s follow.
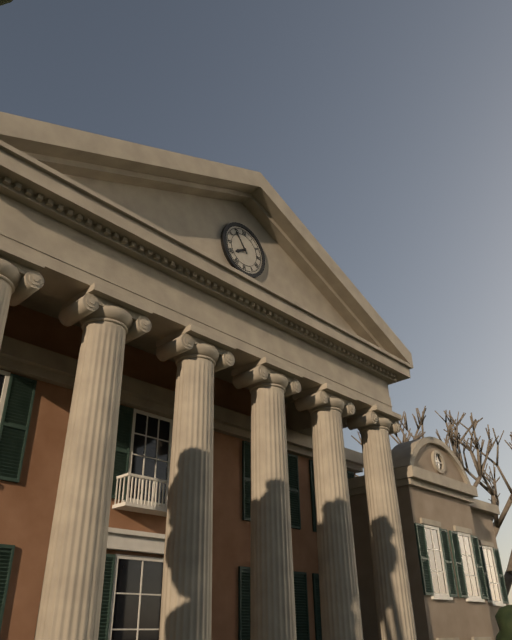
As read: 7h54
